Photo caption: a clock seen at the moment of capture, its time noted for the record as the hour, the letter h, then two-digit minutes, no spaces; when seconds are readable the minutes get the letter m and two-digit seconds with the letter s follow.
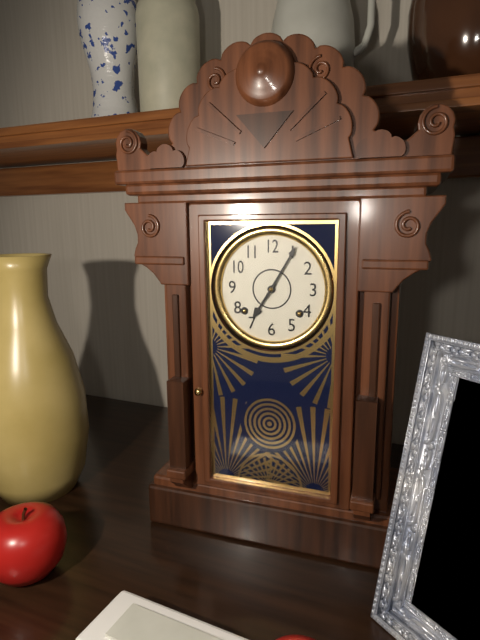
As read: 7h05
